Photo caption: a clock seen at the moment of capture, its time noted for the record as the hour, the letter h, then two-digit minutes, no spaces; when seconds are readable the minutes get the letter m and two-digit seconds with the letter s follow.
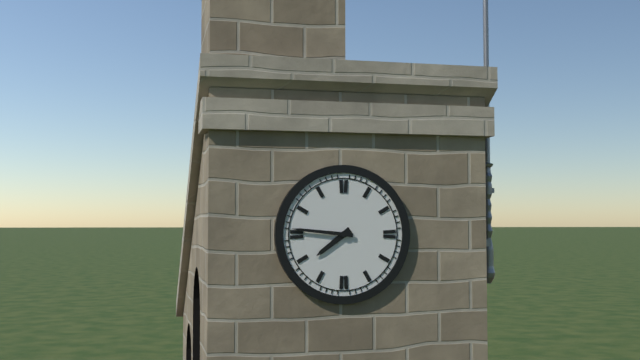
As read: 7h46
